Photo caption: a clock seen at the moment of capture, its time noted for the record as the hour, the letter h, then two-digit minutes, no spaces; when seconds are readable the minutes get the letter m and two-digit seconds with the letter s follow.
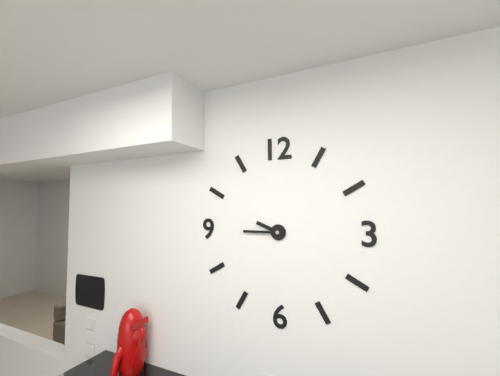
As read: 9h45
